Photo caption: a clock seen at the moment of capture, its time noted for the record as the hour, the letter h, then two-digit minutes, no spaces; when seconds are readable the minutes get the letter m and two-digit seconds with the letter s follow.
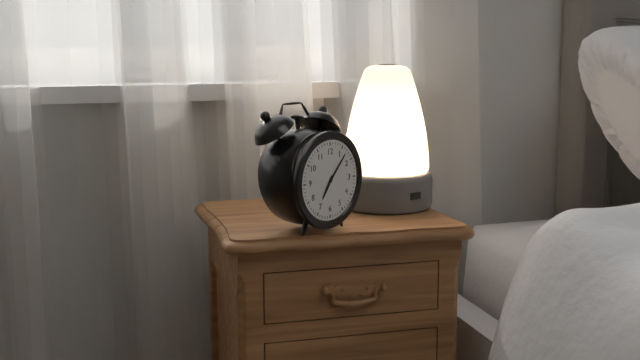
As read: 7h07
